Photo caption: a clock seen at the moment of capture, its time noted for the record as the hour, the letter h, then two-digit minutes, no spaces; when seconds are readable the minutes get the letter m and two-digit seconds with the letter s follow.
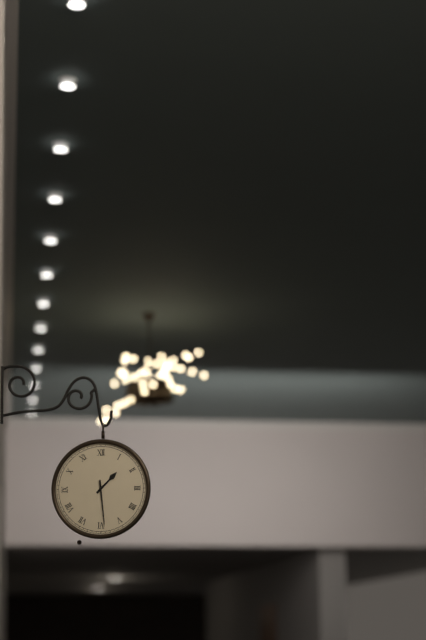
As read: 1h29
